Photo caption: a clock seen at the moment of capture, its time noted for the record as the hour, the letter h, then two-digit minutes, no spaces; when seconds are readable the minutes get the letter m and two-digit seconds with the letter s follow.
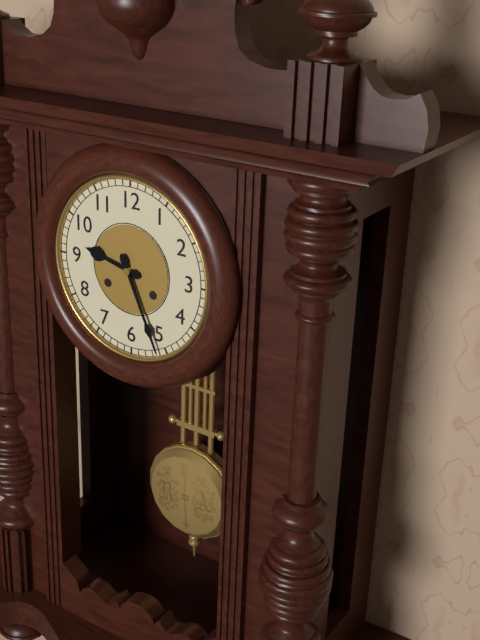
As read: 9h26
